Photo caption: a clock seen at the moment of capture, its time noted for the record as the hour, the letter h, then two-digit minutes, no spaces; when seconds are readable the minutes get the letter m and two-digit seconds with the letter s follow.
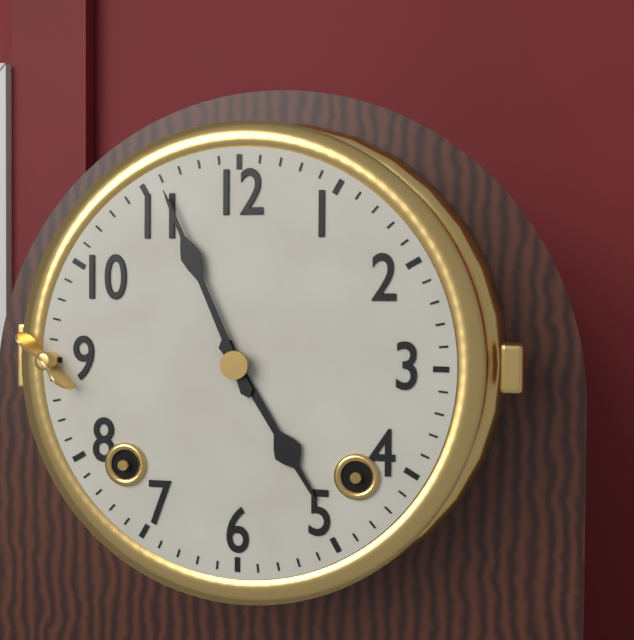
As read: 4h56
